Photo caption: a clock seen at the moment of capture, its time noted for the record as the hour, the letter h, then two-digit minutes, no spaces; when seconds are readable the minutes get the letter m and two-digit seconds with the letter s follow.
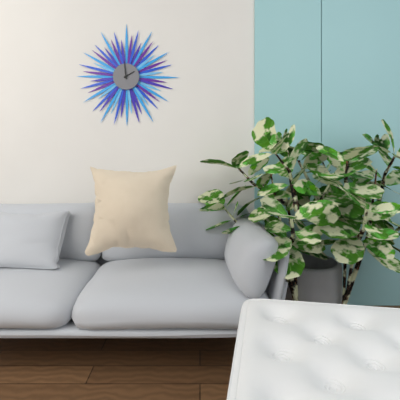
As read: 1h59
